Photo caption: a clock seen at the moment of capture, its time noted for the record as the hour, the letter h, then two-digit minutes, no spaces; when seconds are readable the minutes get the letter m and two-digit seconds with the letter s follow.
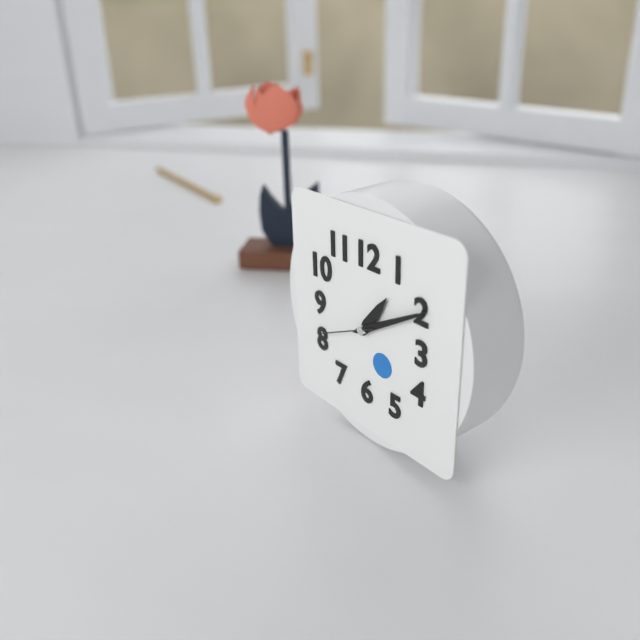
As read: 1h10m41s
